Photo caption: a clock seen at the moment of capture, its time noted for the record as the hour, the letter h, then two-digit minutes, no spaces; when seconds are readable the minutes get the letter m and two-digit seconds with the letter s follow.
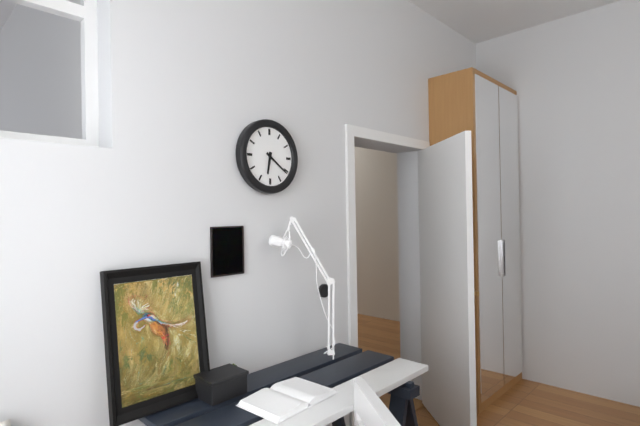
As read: 6h21
